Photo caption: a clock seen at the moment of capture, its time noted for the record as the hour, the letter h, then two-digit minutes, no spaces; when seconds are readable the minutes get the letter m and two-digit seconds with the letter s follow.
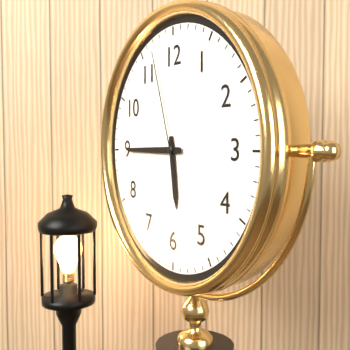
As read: 5h45m57s
